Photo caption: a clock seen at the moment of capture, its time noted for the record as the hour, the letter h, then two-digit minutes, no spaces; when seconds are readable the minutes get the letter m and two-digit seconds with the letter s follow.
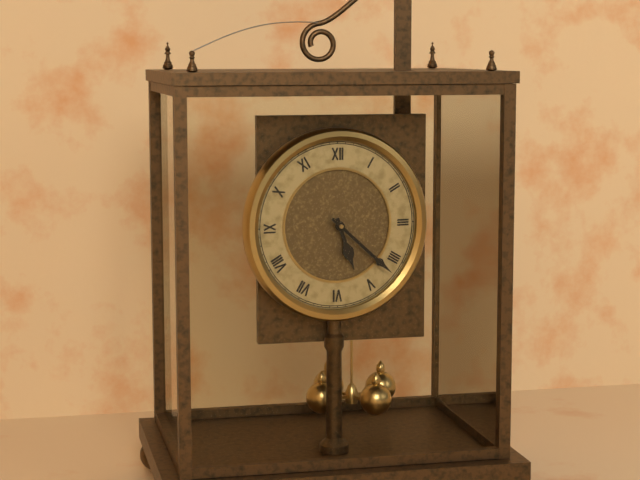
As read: 5h22
